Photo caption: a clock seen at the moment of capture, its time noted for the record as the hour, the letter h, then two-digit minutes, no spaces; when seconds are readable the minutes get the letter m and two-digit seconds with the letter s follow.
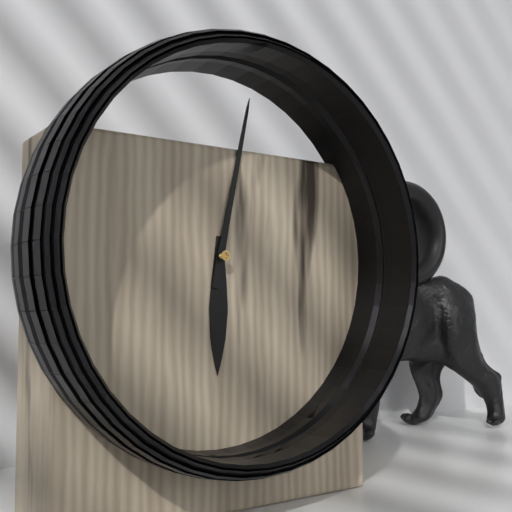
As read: 6h02
